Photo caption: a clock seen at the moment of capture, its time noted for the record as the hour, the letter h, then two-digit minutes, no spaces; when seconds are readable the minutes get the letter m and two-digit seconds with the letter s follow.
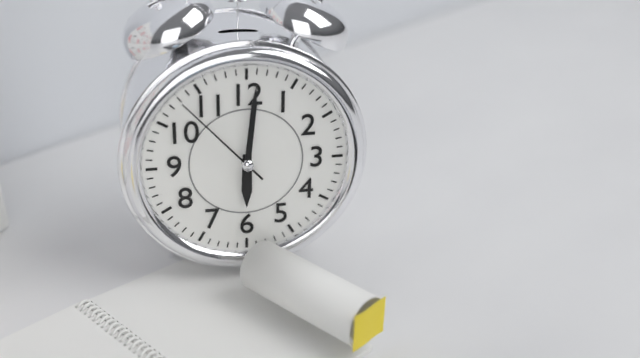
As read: 6h01m53s
